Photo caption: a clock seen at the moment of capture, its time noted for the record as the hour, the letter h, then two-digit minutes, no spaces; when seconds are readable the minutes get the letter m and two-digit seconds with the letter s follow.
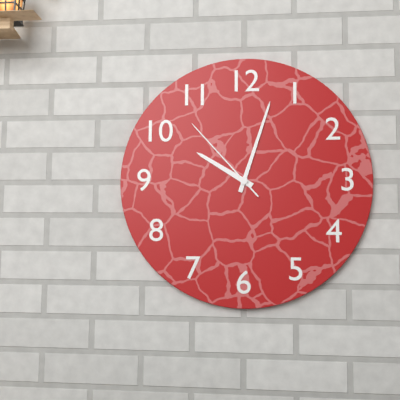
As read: 10h03m53s
